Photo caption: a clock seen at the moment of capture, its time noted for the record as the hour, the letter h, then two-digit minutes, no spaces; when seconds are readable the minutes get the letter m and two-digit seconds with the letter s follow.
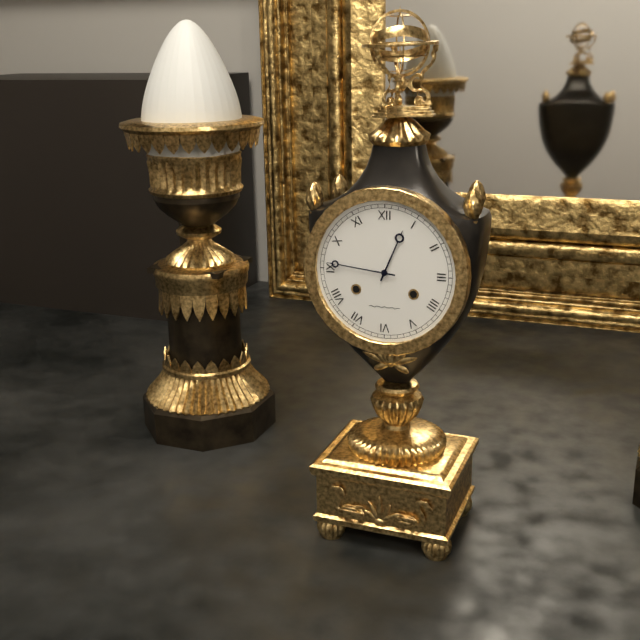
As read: 12h46
